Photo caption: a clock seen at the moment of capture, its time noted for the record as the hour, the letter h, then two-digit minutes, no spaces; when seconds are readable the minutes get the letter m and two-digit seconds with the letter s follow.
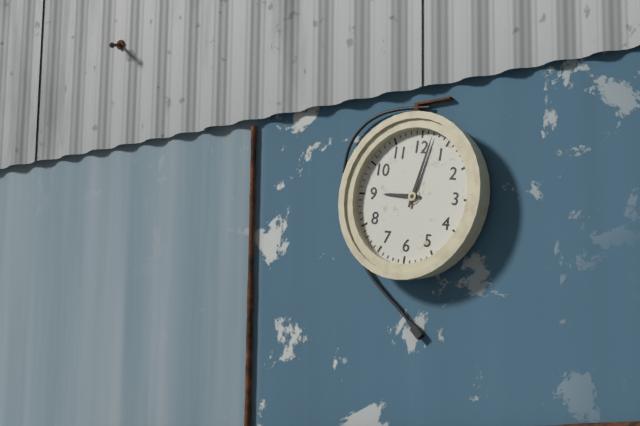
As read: 9h02
